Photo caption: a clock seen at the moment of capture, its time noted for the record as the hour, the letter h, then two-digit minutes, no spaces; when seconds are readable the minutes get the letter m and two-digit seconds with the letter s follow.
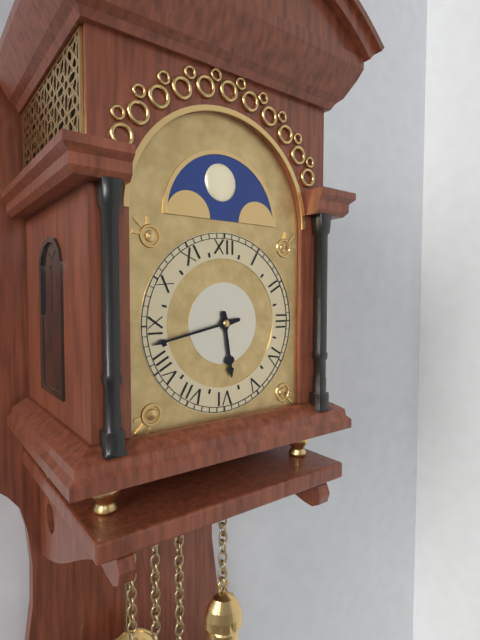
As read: 5h43
